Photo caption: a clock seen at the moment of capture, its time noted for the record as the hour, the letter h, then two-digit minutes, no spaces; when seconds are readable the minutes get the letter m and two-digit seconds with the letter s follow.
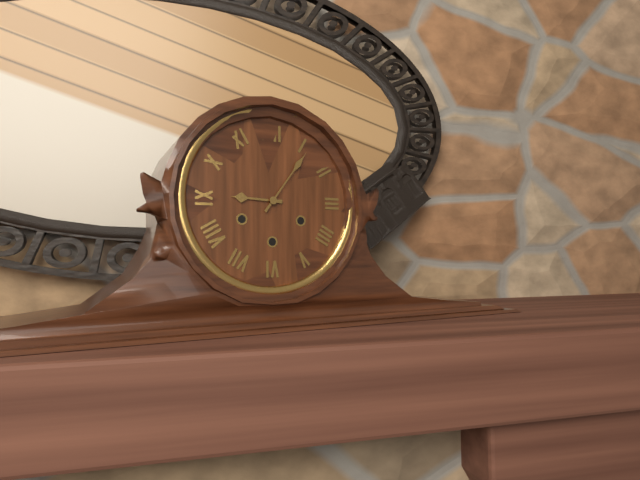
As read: 9h06
